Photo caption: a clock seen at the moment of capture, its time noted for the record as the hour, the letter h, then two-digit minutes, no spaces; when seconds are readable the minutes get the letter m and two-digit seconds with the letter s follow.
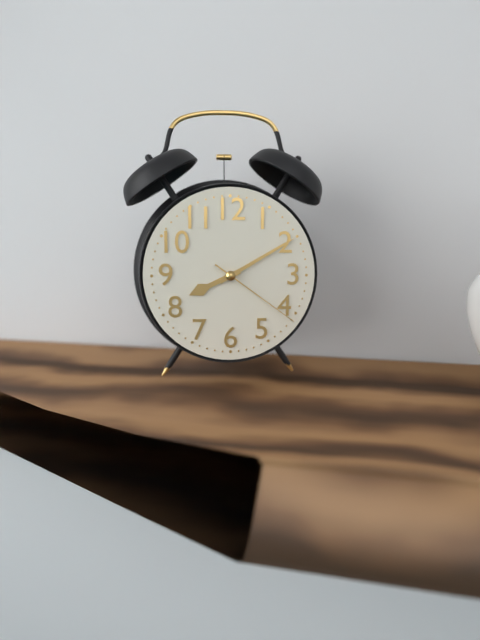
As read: 8h10m21s
